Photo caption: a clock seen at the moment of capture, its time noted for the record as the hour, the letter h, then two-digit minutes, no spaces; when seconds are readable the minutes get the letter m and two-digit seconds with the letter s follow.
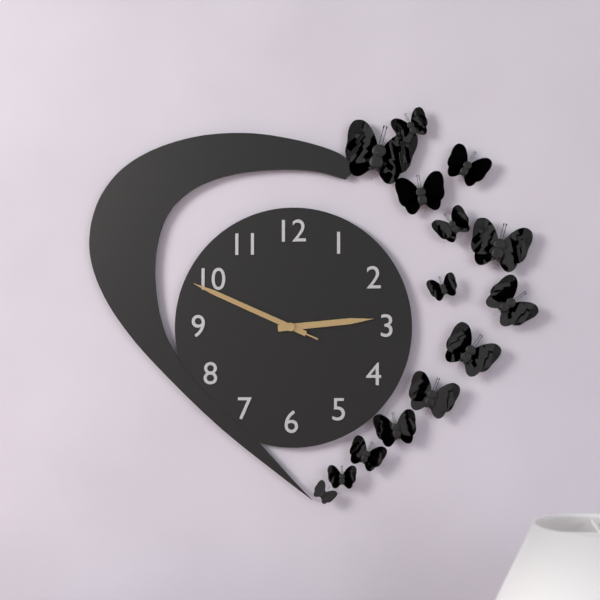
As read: 2h49m49s
